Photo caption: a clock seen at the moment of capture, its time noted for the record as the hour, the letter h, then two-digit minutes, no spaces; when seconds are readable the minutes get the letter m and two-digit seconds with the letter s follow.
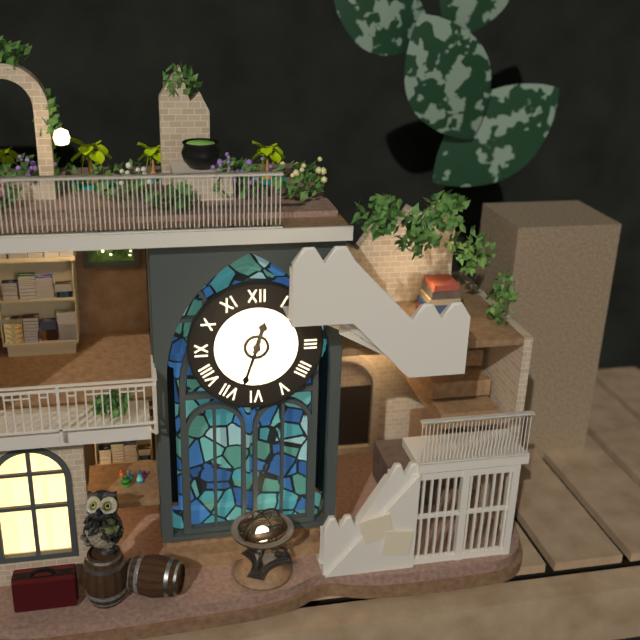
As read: 12h33
